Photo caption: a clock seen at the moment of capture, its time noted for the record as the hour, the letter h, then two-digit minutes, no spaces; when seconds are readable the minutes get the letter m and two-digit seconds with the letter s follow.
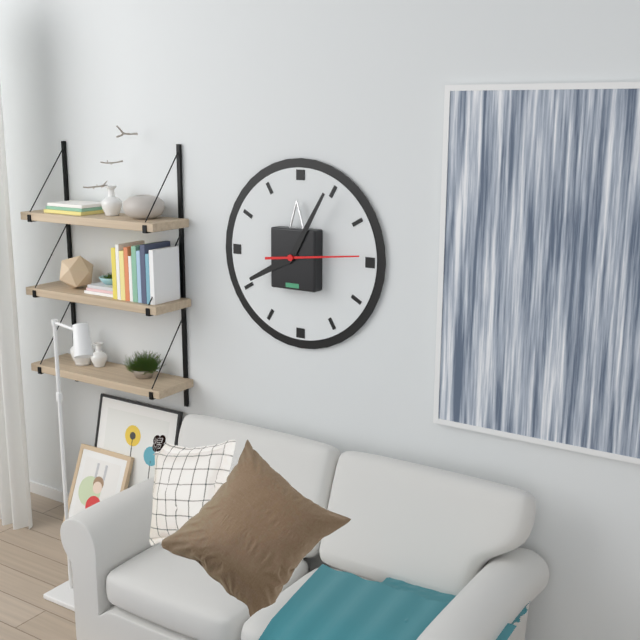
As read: 8h05m14s
